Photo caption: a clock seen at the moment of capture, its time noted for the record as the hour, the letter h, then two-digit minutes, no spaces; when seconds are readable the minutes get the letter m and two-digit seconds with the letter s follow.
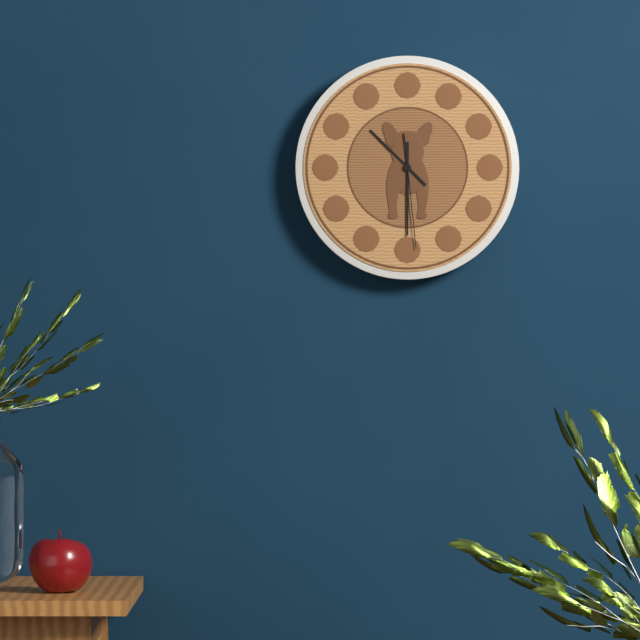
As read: 10h30m29s
